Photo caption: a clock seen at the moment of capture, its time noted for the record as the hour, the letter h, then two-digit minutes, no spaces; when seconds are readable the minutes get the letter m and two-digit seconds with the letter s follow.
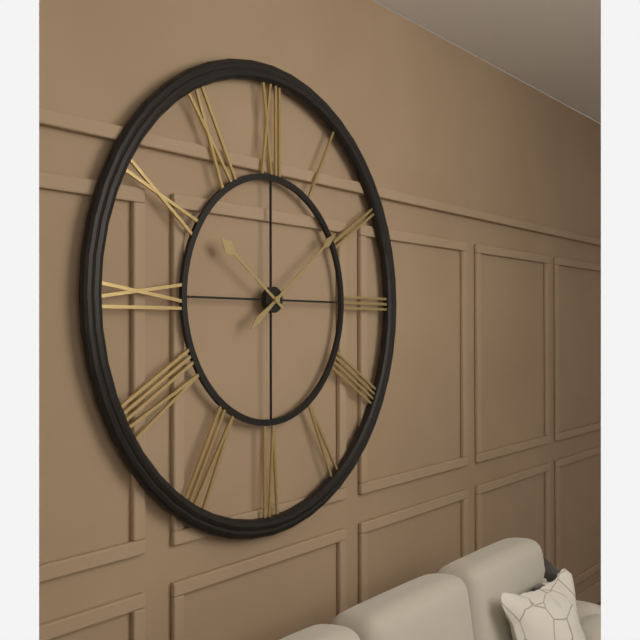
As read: 10h09
